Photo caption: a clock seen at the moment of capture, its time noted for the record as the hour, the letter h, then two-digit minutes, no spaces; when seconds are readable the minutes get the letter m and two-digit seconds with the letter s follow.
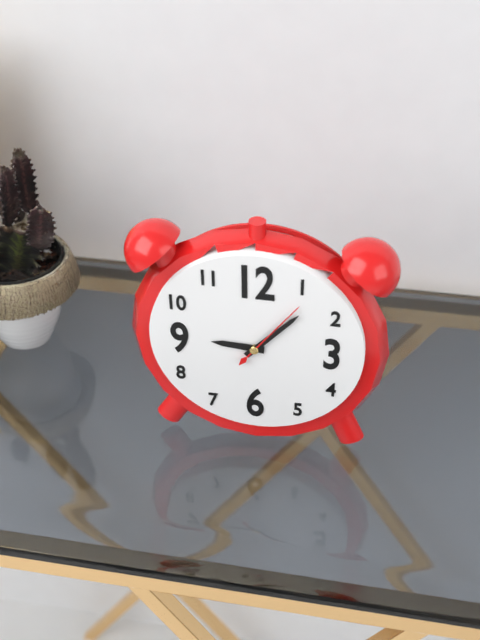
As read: 9h07m06s
